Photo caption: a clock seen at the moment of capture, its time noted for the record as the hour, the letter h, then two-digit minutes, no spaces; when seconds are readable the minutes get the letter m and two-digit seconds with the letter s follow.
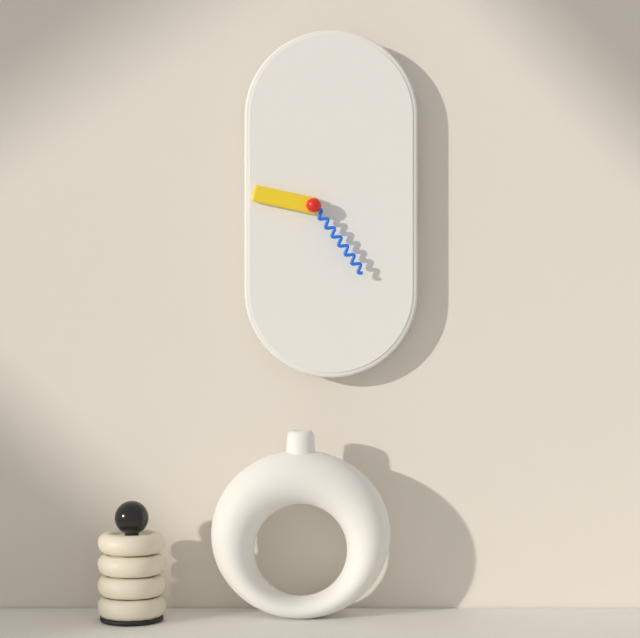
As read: 9h24
